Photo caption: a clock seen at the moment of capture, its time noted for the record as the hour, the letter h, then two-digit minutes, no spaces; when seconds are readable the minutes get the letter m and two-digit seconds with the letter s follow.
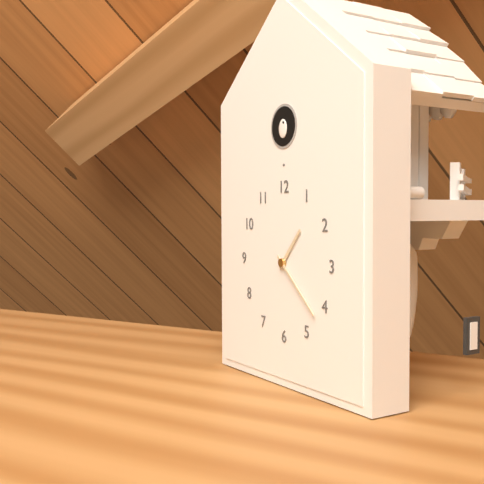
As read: 1h22
